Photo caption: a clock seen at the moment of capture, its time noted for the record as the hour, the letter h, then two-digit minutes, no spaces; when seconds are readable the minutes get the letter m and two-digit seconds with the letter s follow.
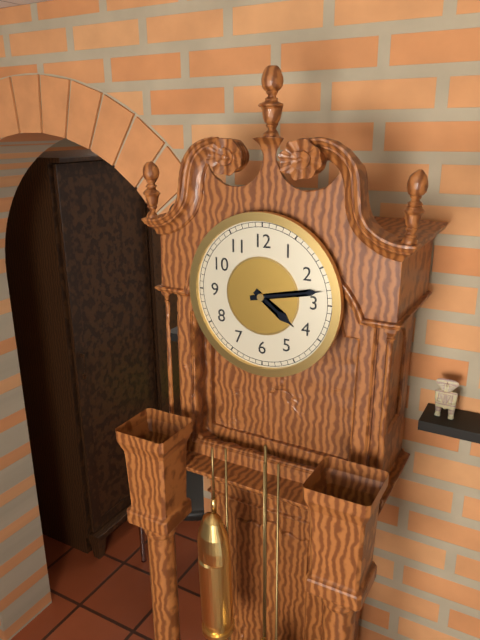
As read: 4h13
